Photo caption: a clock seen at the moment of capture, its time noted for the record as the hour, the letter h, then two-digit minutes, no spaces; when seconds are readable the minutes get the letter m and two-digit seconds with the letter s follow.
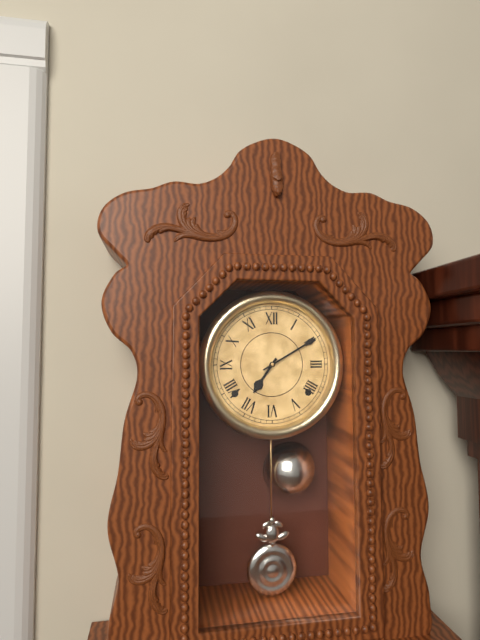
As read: 7h10
